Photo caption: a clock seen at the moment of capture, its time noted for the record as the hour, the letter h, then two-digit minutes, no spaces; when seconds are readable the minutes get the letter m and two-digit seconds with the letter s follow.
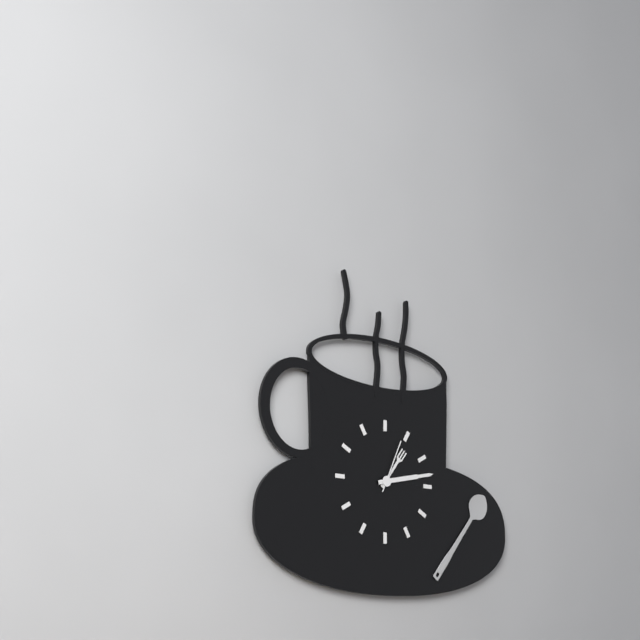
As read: 1h13m04s
